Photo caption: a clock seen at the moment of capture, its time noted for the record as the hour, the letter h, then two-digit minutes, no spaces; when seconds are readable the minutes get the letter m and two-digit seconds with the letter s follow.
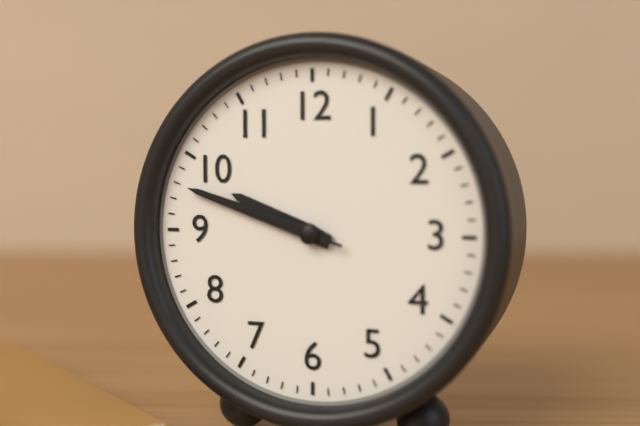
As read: 9h48m48s
